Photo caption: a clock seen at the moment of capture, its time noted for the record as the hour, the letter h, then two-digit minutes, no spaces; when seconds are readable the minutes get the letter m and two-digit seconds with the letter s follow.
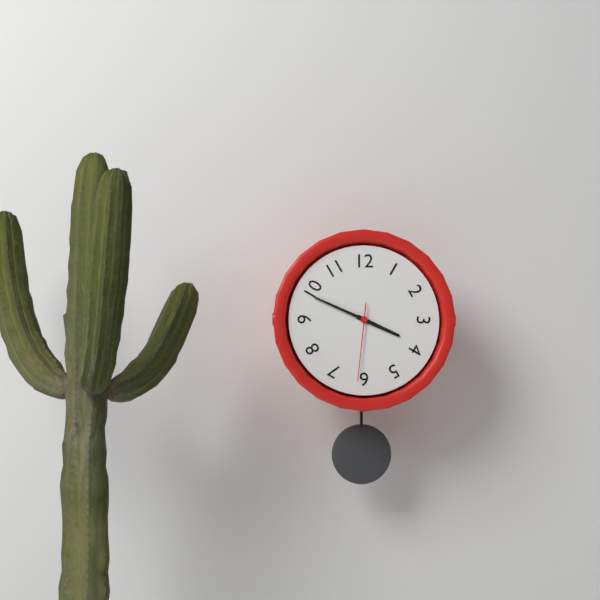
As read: 3h49m31s
